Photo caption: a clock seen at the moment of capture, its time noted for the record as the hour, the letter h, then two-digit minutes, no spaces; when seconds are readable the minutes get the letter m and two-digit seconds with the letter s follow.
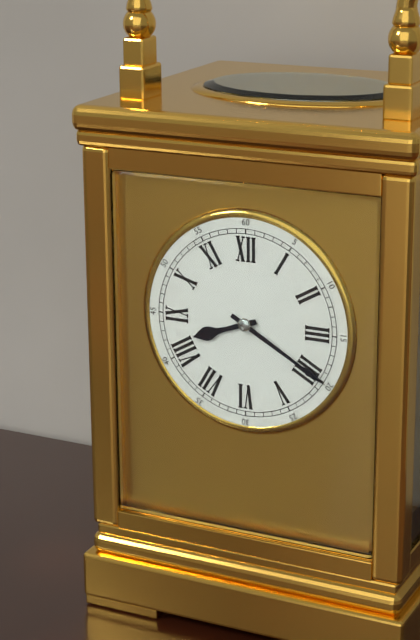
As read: 8h20
